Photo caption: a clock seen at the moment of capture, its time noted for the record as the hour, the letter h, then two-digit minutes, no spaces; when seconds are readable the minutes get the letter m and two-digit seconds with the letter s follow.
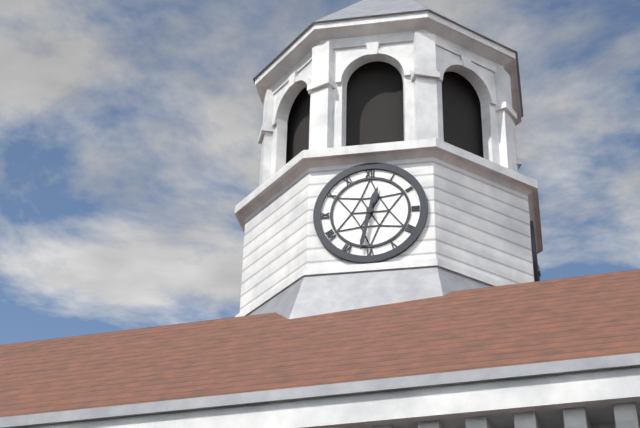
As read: 12h32
